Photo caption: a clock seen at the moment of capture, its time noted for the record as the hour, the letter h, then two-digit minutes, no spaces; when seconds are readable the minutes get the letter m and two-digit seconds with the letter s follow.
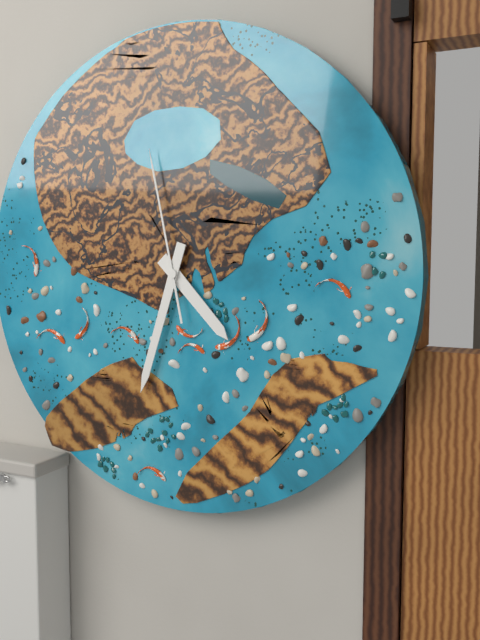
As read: 4h33m58s
